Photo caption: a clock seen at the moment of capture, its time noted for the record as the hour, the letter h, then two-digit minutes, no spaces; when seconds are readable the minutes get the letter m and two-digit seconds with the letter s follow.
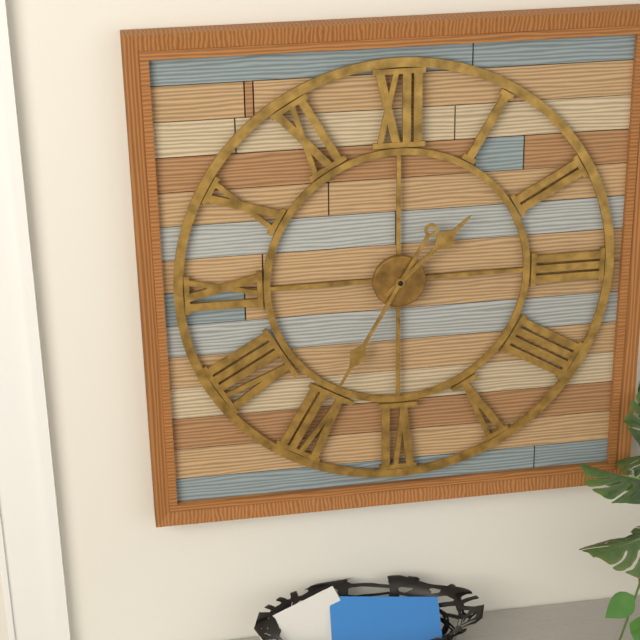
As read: 1h35
